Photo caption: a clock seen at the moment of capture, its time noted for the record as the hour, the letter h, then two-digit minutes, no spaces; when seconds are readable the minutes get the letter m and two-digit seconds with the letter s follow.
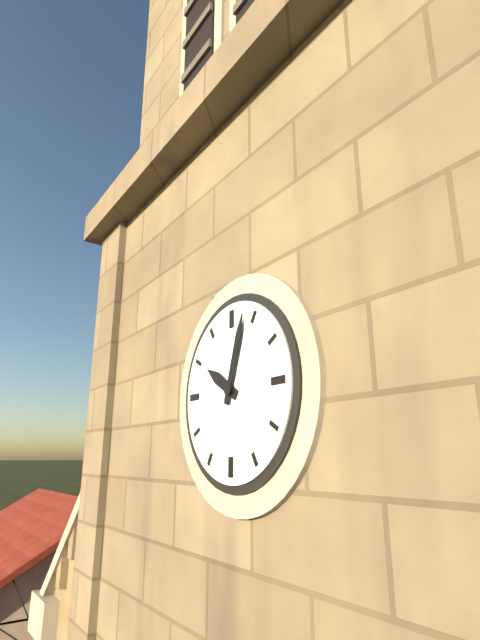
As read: 10h03
